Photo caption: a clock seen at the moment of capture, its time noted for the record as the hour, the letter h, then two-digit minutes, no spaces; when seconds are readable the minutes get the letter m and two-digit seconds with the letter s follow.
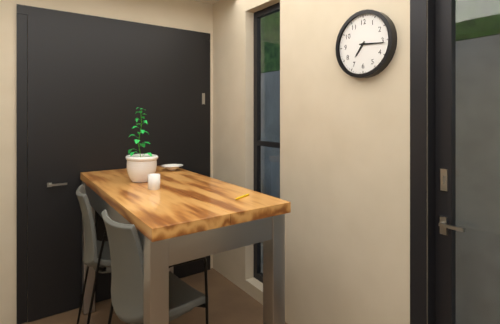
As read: 7h16
